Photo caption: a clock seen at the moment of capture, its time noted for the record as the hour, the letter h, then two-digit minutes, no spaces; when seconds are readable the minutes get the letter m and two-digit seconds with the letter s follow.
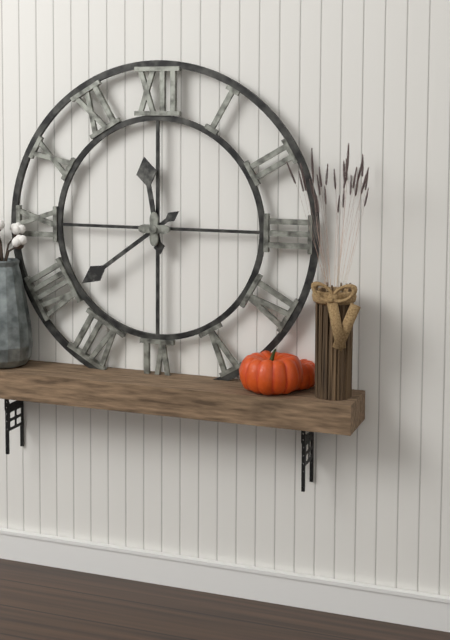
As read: 11h39
